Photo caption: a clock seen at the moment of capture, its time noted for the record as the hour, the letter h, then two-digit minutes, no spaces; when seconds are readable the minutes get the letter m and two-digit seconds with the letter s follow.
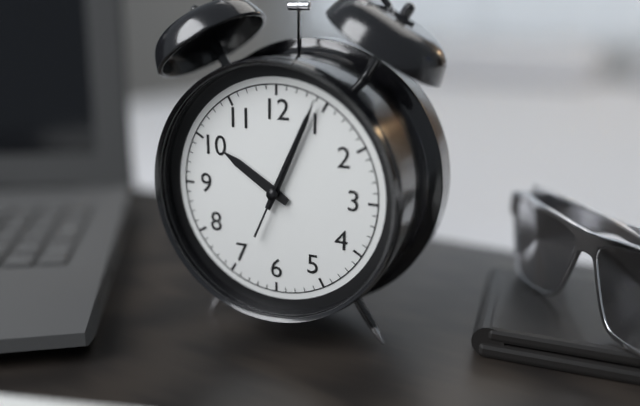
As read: 10h04m04s
